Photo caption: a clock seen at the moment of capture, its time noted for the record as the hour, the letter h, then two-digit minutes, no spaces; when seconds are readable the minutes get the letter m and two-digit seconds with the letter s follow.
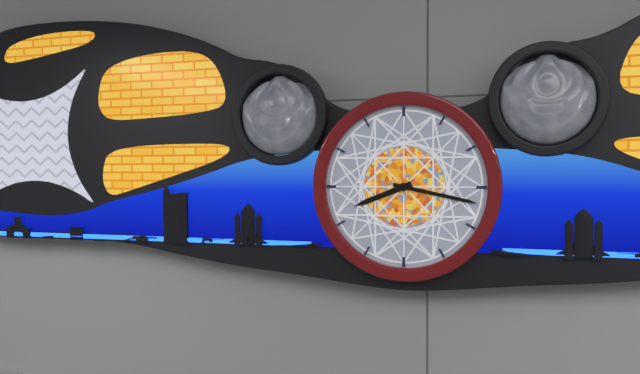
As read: 8h17
